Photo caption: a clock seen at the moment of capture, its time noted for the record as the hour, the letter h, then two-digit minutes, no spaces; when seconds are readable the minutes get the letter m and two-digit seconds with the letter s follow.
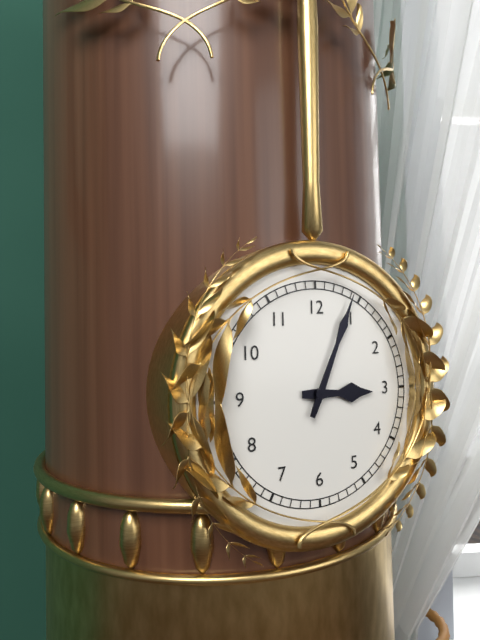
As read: 3h04
